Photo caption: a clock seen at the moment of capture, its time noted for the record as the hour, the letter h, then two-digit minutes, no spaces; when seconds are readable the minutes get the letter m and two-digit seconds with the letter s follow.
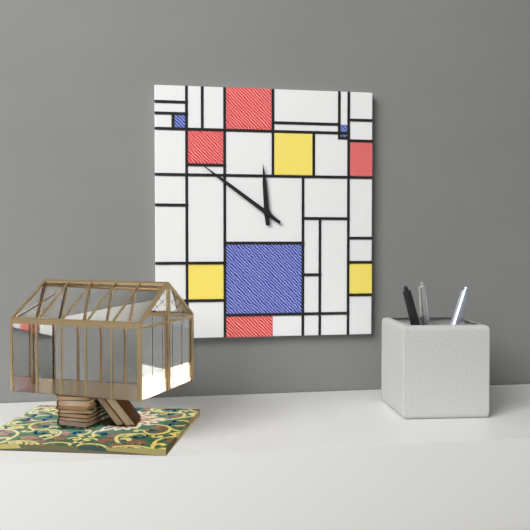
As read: 11h51
